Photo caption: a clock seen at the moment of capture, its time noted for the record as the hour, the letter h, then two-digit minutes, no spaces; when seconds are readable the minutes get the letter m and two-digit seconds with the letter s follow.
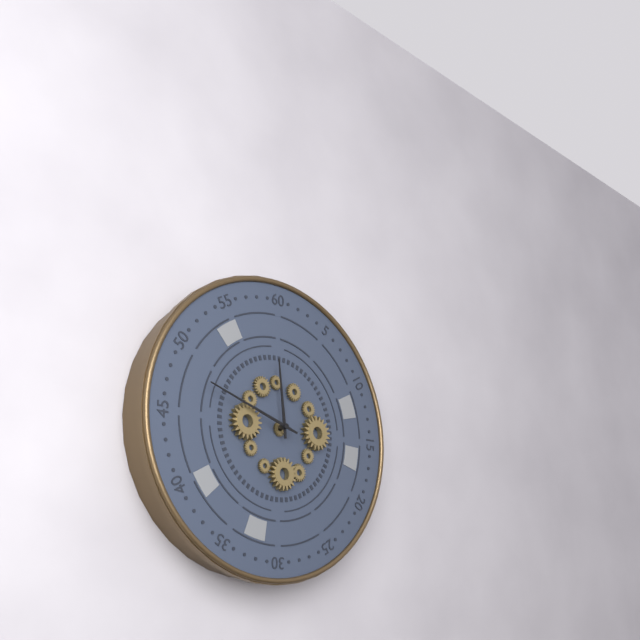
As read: 11h48
